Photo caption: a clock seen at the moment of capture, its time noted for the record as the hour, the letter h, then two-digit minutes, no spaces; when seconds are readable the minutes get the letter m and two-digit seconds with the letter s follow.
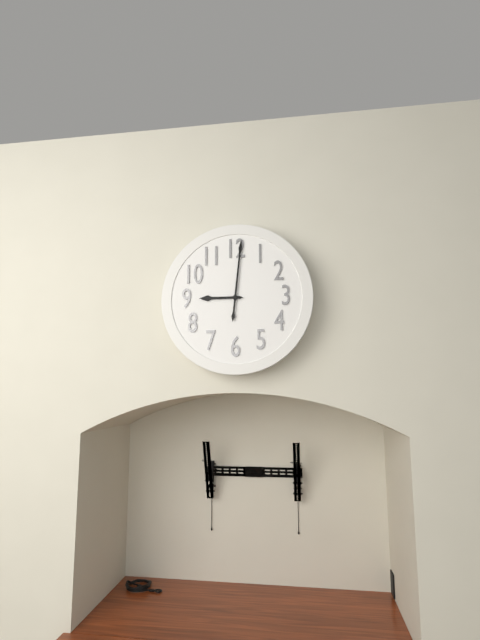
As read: 9h01
